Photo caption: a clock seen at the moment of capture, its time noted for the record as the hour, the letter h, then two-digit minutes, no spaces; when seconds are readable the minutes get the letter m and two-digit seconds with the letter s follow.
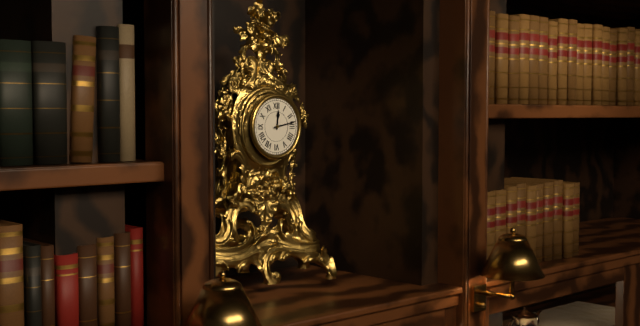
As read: 12h13
